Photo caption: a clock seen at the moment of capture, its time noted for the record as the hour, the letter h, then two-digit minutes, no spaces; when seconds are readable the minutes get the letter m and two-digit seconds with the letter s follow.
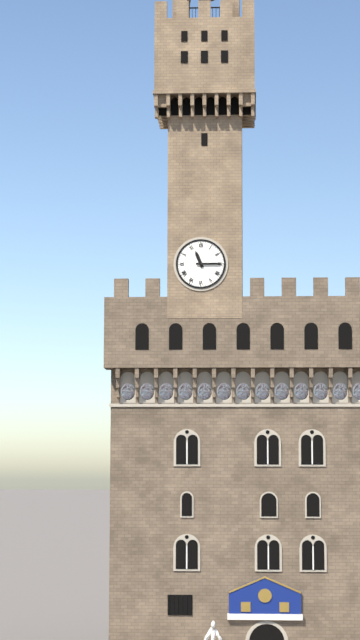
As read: 11h15
